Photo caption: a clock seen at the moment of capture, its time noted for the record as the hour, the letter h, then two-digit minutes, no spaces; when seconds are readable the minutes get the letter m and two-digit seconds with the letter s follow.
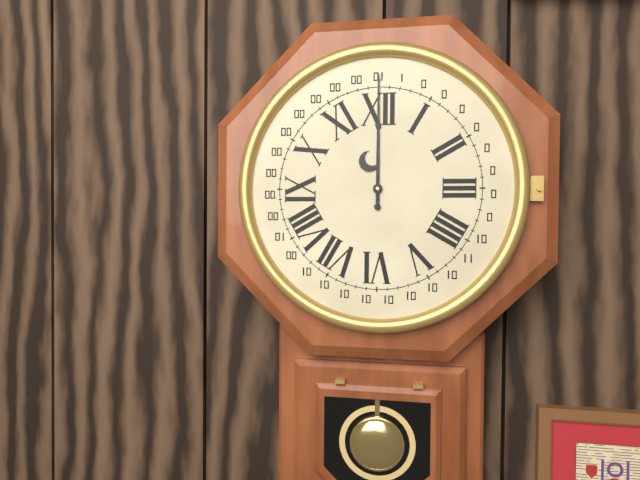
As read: 12h00
